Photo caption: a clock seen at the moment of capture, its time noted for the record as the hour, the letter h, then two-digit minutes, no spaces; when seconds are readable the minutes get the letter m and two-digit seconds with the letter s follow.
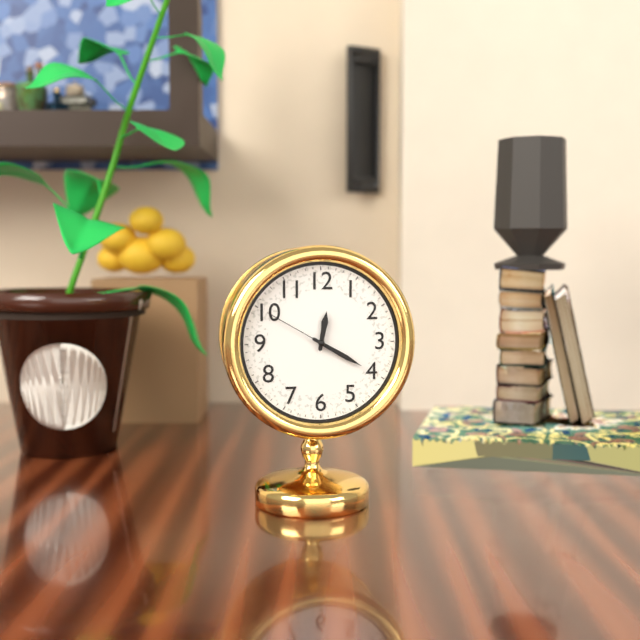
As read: 12h20m50s
